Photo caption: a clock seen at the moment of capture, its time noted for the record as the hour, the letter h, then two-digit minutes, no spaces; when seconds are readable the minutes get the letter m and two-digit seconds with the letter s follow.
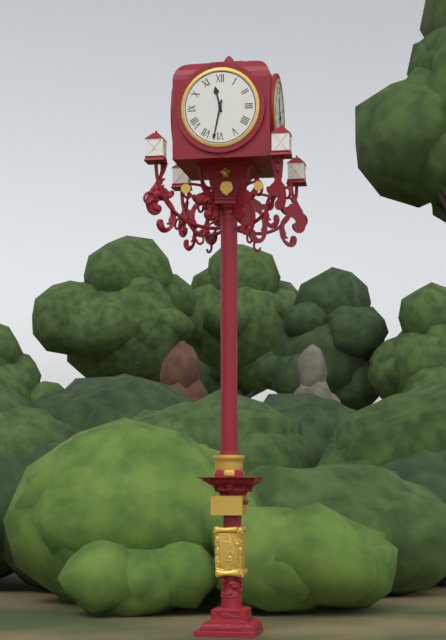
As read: 11h32
